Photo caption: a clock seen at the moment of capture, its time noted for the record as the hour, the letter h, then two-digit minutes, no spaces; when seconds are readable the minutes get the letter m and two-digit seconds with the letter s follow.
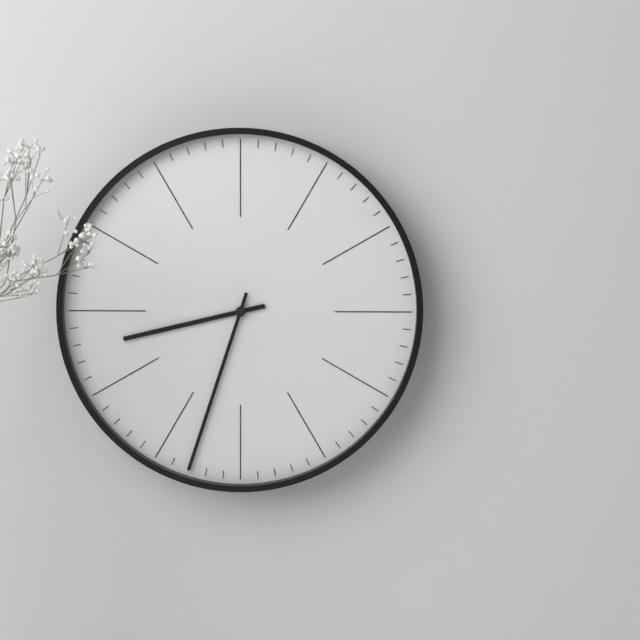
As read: 8h33
